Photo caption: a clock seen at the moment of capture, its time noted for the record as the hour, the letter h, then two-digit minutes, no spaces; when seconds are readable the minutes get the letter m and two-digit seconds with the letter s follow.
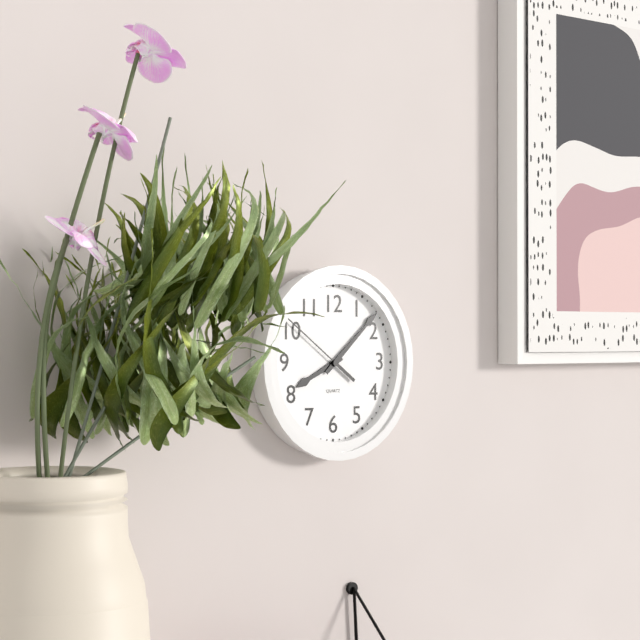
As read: 8h08m51s
